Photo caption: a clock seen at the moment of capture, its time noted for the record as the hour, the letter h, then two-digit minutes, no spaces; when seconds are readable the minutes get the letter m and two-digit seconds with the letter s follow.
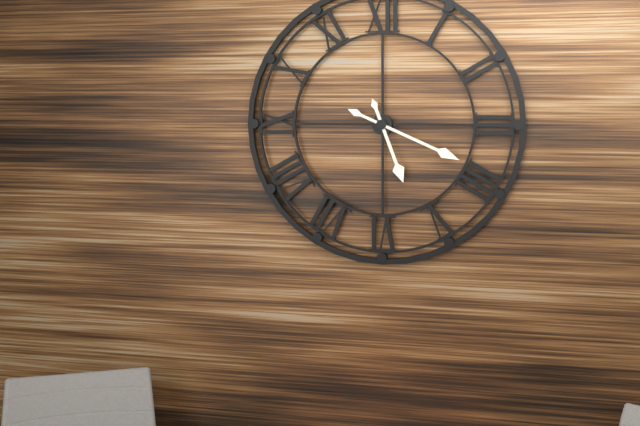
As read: 5h19
